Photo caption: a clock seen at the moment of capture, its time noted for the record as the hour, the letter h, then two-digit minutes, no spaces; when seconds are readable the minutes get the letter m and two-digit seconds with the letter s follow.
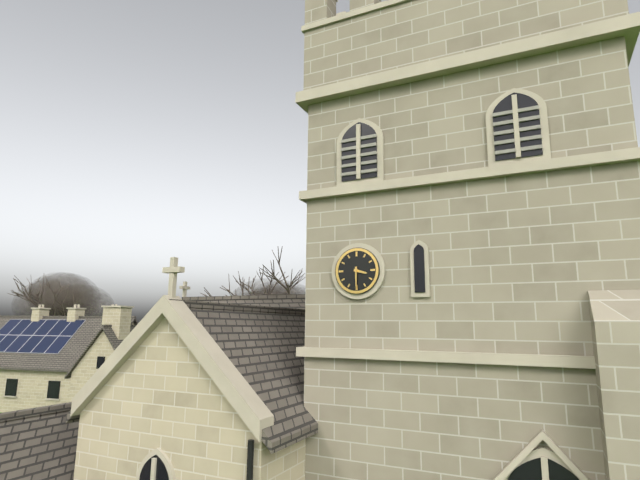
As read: 3h30
